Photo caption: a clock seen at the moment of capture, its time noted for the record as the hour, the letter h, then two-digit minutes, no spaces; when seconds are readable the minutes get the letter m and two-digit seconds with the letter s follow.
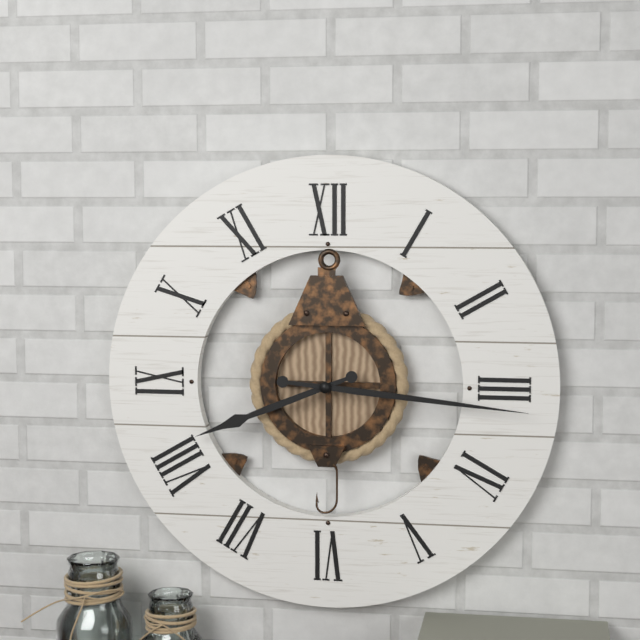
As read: 8h16
